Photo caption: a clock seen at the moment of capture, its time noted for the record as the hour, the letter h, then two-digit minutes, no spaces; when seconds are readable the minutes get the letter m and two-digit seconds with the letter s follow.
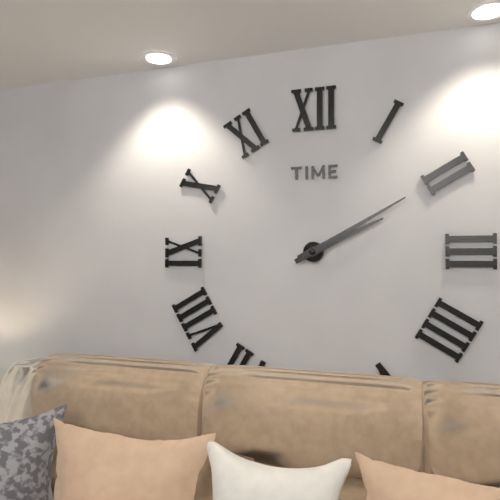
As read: 2h10
